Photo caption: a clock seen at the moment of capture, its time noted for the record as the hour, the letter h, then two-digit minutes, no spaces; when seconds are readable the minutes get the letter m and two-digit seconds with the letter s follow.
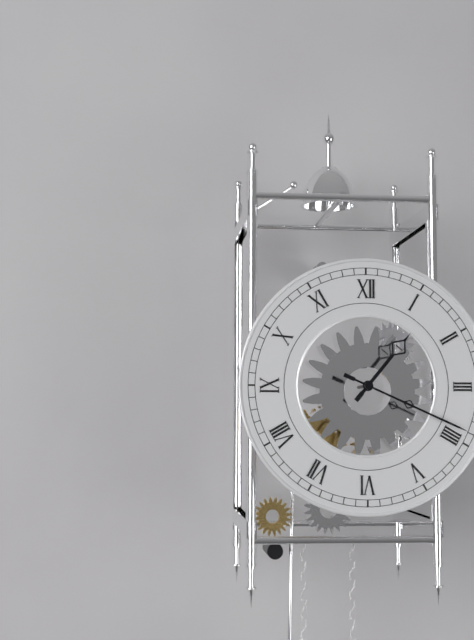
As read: 1h19
